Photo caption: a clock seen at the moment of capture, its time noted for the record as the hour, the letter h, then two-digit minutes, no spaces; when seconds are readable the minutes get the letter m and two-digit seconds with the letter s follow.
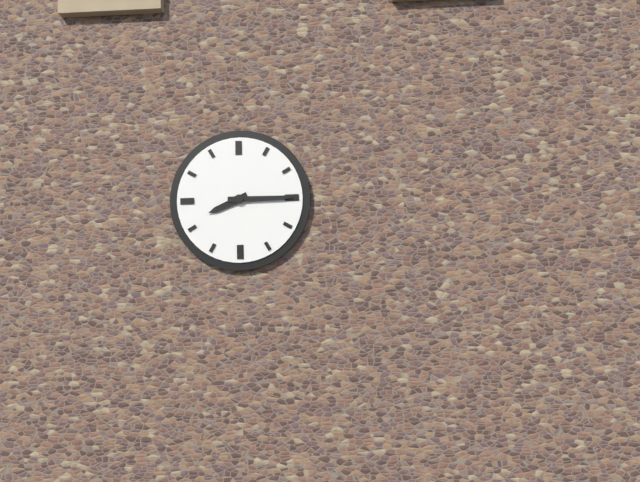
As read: 8h15
